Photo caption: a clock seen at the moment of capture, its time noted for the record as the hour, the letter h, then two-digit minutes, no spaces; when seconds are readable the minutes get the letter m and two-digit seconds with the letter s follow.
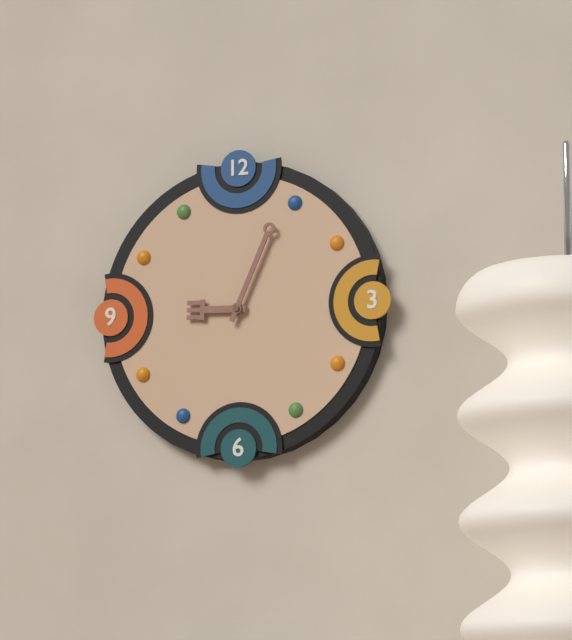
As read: 9h04
